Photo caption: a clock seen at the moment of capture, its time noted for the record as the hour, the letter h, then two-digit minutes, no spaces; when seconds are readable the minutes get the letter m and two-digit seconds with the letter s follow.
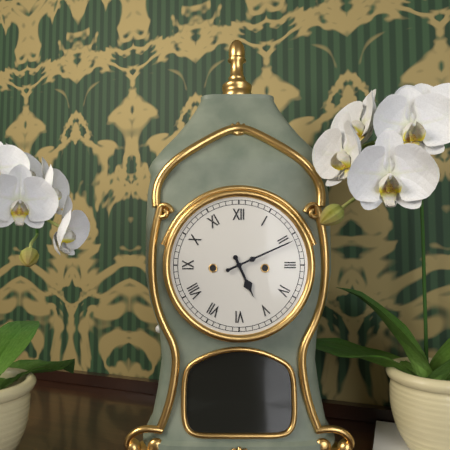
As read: 5h11
